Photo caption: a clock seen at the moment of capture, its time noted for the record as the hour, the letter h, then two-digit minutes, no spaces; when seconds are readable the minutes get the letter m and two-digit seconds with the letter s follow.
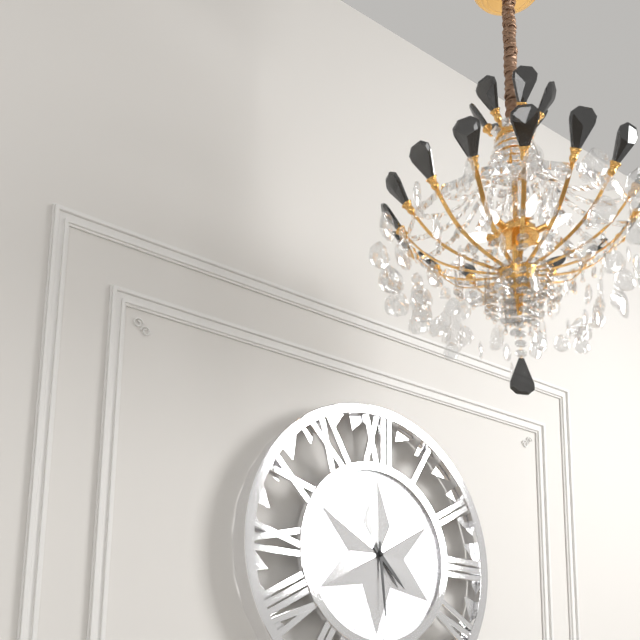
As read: 4h29
